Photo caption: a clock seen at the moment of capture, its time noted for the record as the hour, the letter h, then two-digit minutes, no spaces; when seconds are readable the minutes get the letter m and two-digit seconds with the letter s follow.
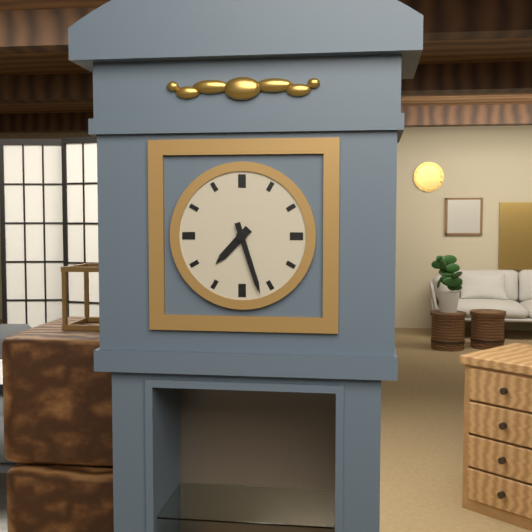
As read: 7h27
